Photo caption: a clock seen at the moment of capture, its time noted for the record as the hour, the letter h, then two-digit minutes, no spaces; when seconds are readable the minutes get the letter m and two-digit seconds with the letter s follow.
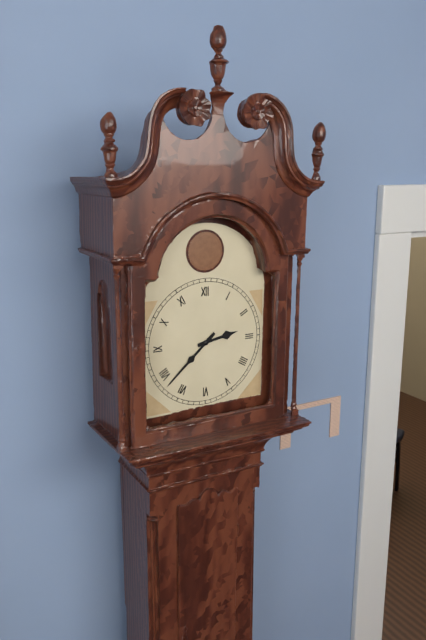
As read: 2h38
